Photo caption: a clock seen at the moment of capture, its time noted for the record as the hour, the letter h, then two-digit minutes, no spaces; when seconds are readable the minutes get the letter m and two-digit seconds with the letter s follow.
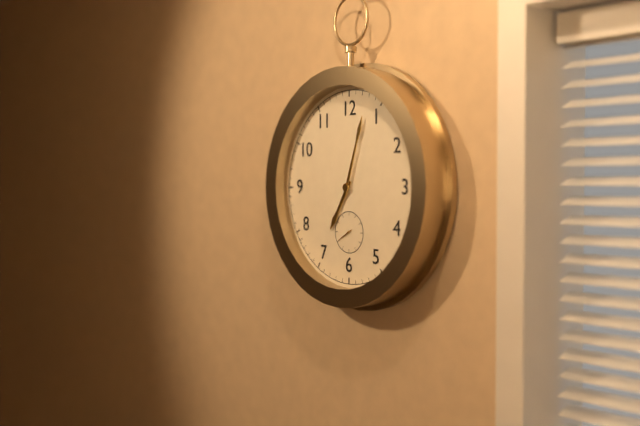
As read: 7h03
